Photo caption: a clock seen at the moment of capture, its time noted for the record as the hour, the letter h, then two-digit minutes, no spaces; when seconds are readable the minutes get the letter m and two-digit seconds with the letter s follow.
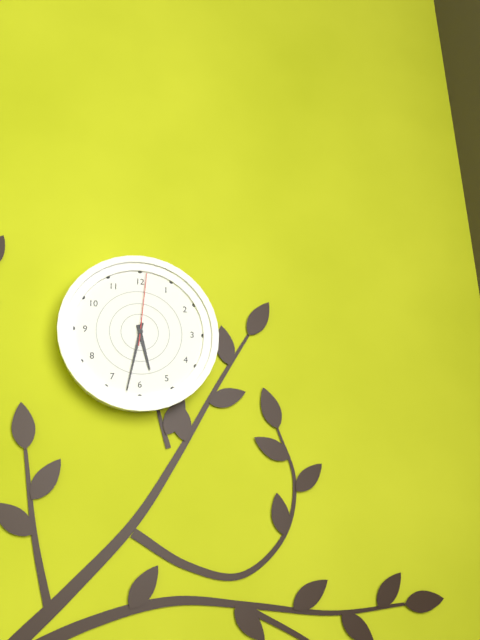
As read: 5h32m01s
